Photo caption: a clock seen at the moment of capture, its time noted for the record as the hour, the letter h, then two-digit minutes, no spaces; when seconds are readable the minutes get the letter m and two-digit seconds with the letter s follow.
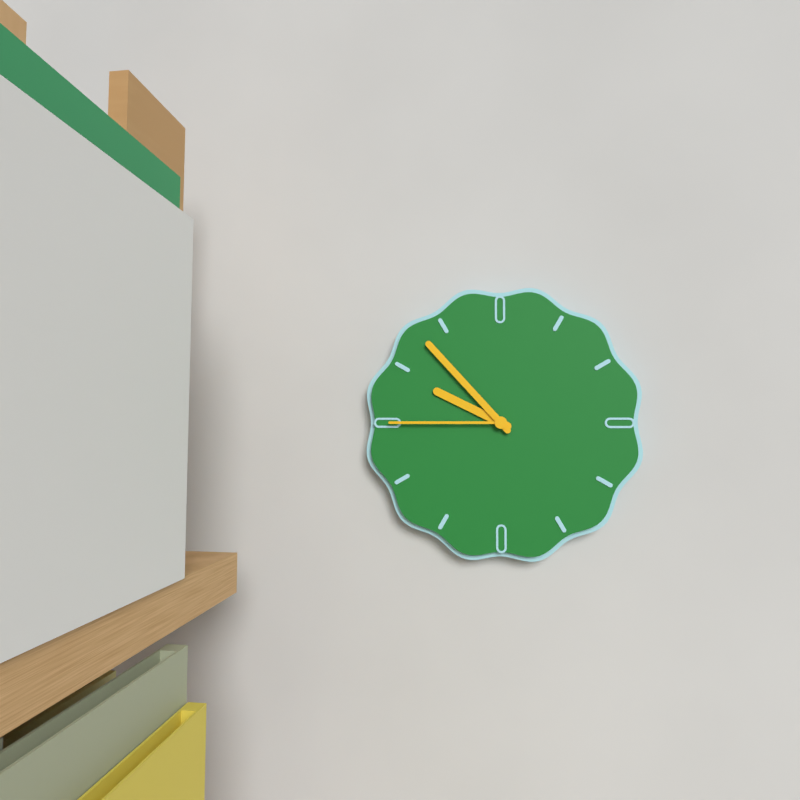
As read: 9h53m45s
